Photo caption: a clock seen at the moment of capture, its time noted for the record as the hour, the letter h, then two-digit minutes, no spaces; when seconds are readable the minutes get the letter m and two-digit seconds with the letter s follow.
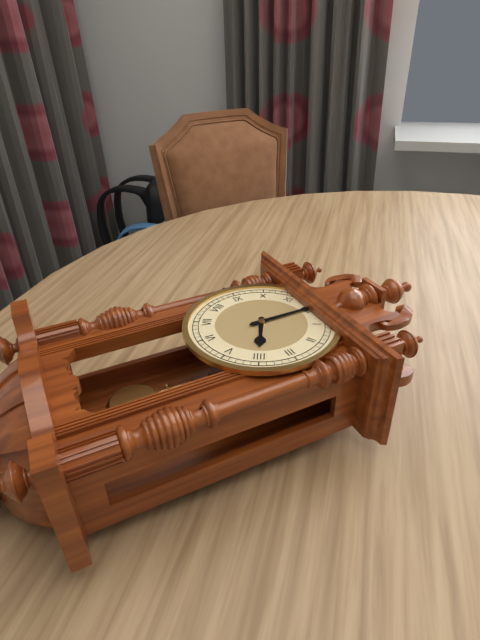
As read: 4h00
